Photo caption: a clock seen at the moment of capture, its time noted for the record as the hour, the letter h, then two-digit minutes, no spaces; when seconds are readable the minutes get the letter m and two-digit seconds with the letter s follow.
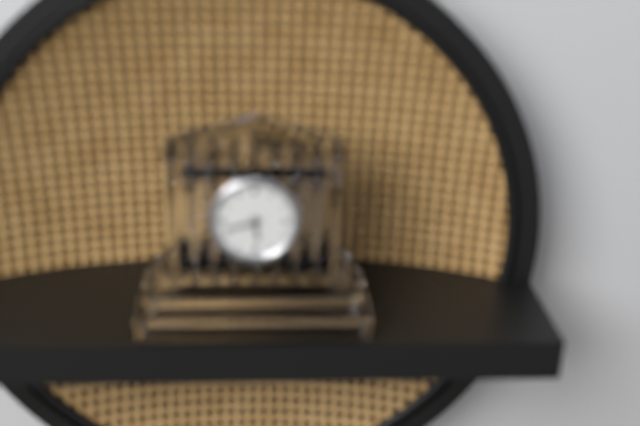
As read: 5h42
